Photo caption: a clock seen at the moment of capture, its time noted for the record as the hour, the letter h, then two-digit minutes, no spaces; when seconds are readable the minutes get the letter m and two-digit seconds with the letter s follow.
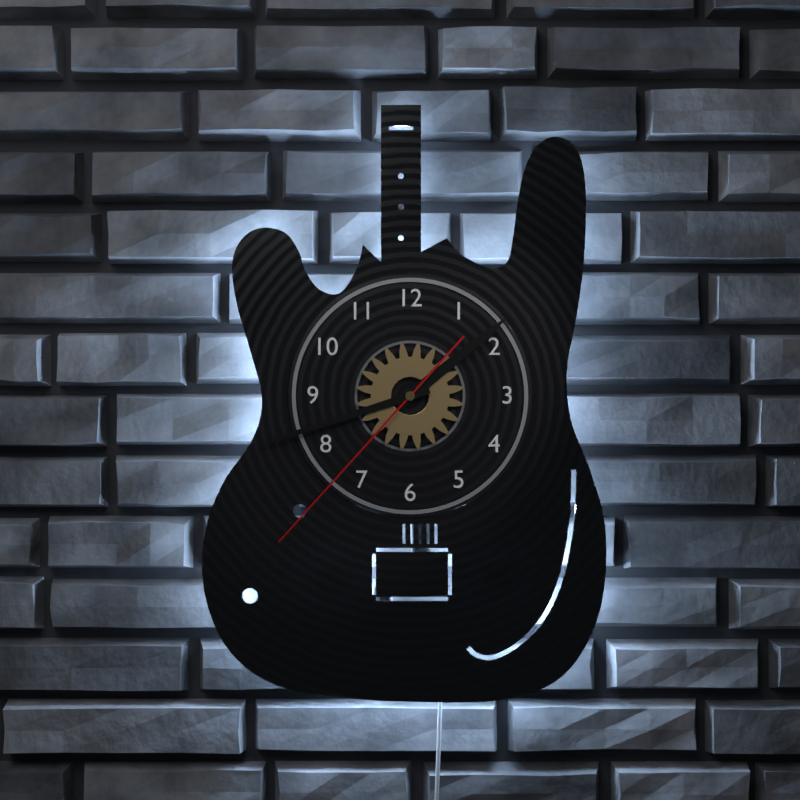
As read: 1h42m37s
